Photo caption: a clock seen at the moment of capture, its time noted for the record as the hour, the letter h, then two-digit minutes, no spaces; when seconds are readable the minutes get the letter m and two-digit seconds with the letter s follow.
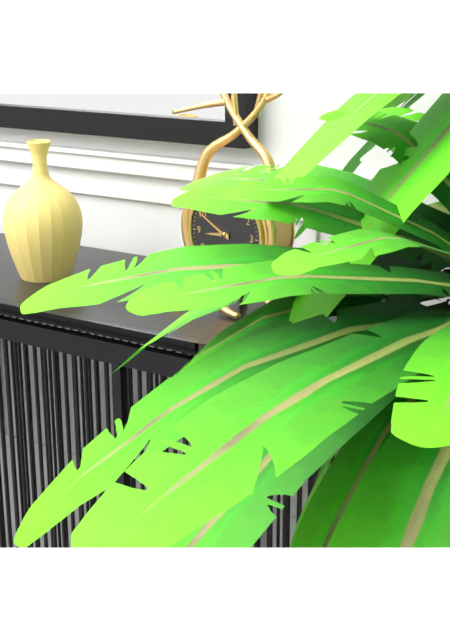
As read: 8h50
